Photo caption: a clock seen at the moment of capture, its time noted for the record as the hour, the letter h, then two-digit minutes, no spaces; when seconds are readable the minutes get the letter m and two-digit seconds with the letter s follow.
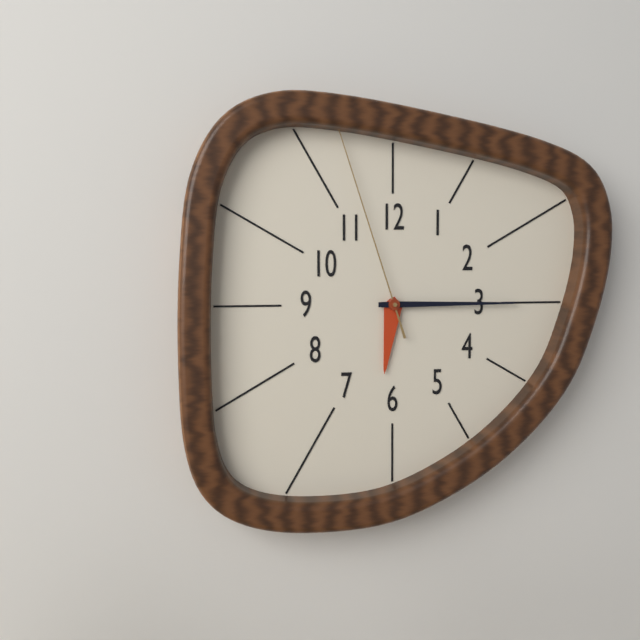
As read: 6h15m57s
